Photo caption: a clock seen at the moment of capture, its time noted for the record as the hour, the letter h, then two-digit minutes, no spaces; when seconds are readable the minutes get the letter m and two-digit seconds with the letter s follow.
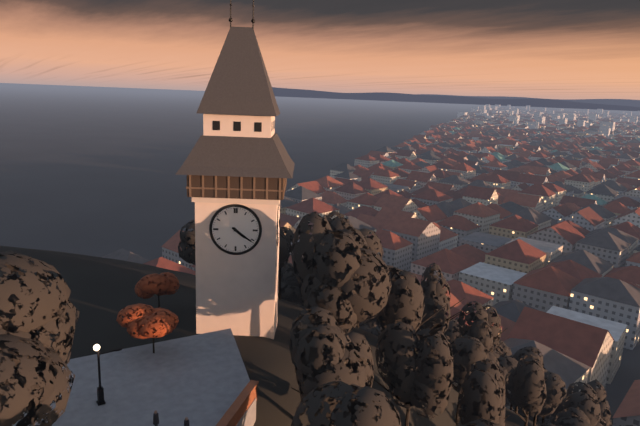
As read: 4h21
